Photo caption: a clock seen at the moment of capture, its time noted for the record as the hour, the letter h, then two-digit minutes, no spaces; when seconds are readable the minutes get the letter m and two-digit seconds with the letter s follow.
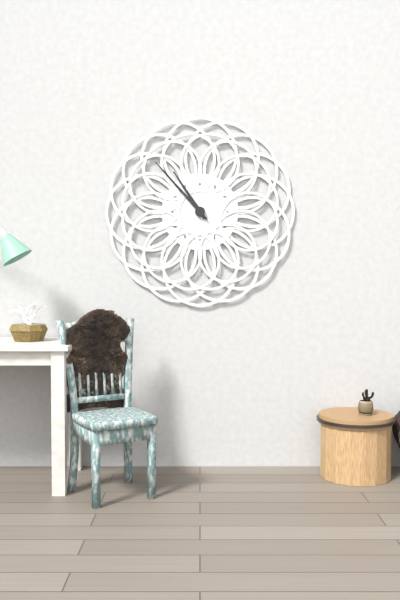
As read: 10h53
